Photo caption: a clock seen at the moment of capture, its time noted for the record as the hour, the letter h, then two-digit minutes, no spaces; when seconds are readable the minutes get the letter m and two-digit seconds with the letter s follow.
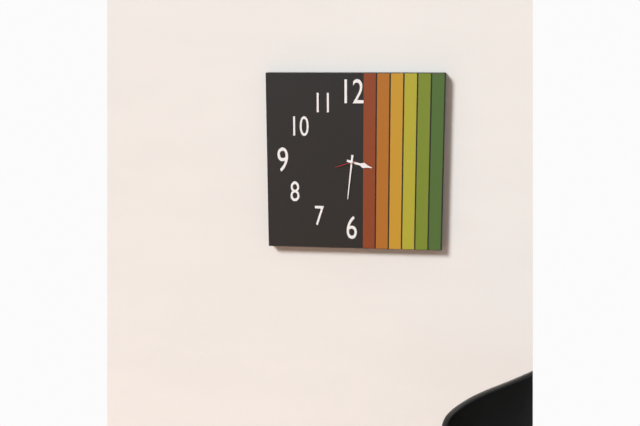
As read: 3h31
